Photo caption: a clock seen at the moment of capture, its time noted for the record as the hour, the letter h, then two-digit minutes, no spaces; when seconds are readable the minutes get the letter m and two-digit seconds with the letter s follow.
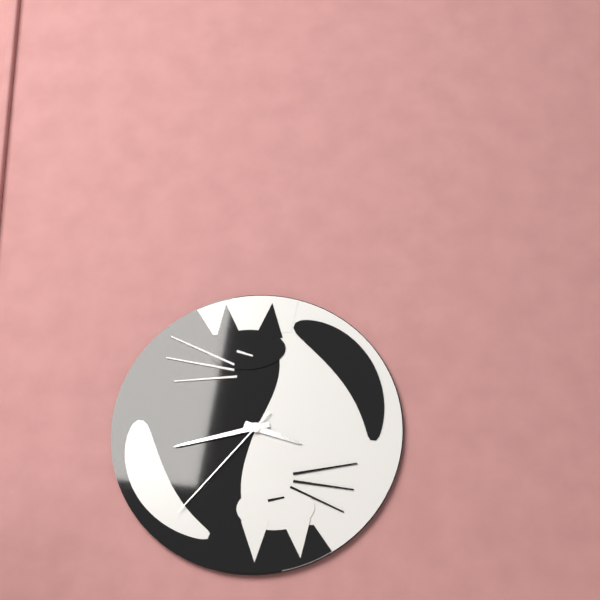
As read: 3h43m37s
